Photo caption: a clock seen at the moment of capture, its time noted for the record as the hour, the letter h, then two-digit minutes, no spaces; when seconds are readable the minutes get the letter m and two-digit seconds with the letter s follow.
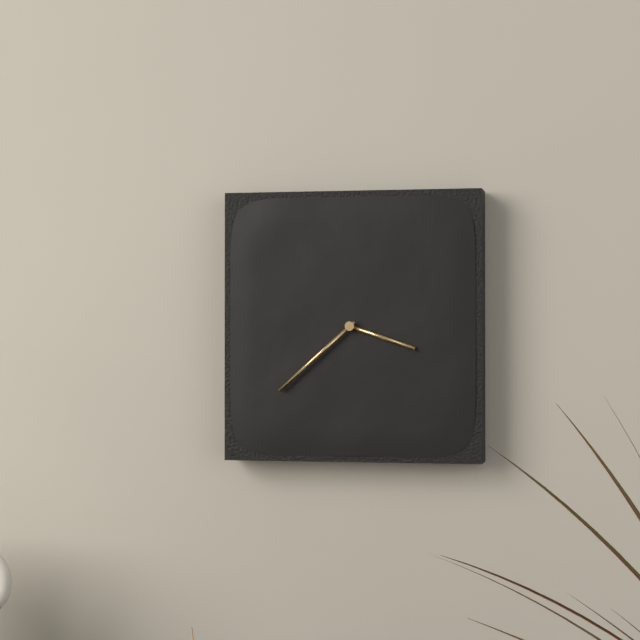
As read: 3h38
